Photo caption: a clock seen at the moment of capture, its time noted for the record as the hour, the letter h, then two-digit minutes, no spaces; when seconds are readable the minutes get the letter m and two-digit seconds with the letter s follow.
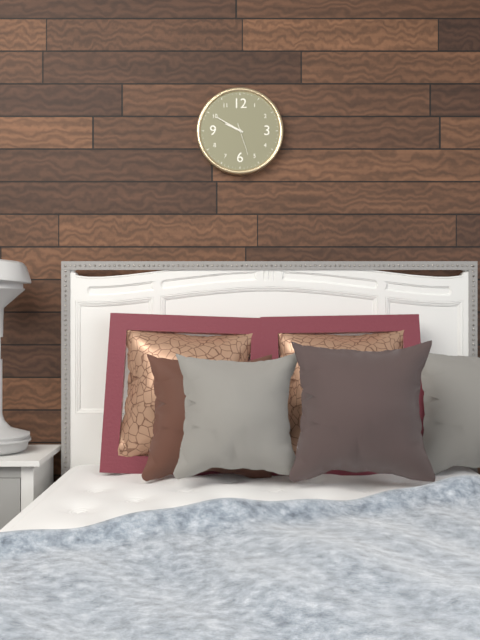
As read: 9h50
